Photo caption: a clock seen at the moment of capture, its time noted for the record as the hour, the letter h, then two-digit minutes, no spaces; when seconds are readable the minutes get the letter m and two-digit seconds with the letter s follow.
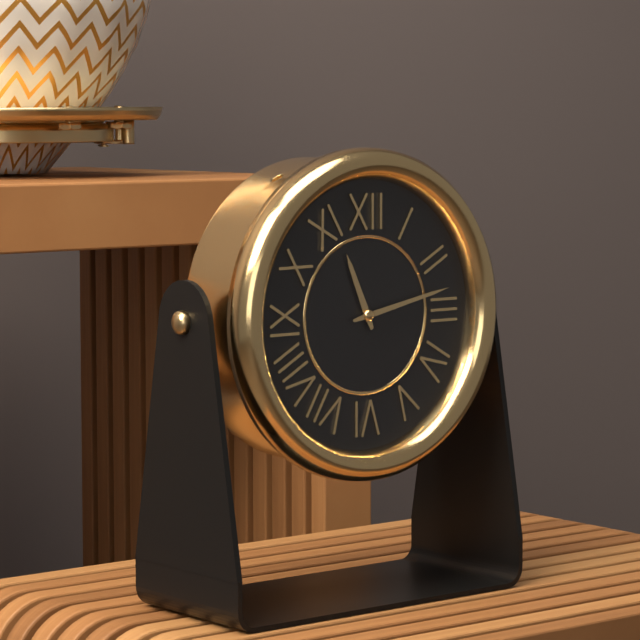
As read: 11h13
